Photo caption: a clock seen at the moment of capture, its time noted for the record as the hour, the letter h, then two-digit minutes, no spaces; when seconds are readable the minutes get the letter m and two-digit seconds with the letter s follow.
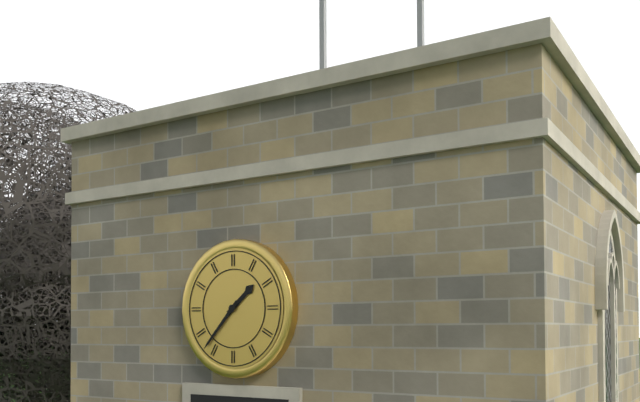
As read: 1h37
